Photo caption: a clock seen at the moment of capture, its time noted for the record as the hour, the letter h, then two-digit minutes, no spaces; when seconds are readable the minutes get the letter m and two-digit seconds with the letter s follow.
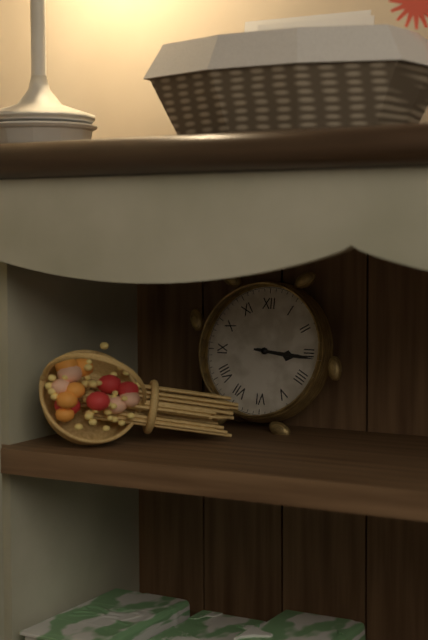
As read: 3h16
